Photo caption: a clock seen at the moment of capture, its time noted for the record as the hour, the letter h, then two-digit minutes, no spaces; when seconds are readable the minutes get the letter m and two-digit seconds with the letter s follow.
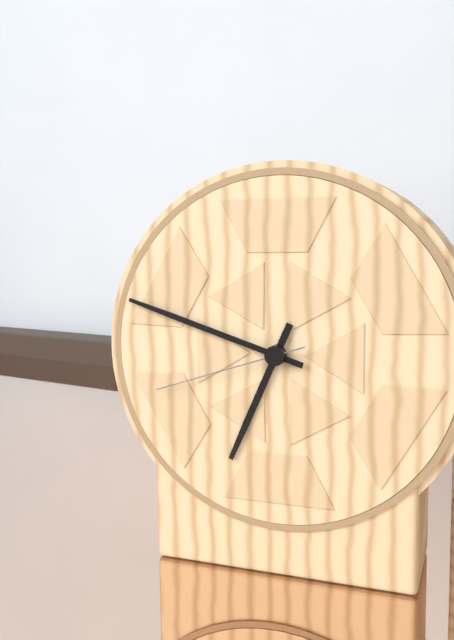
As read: 6h48m42s
